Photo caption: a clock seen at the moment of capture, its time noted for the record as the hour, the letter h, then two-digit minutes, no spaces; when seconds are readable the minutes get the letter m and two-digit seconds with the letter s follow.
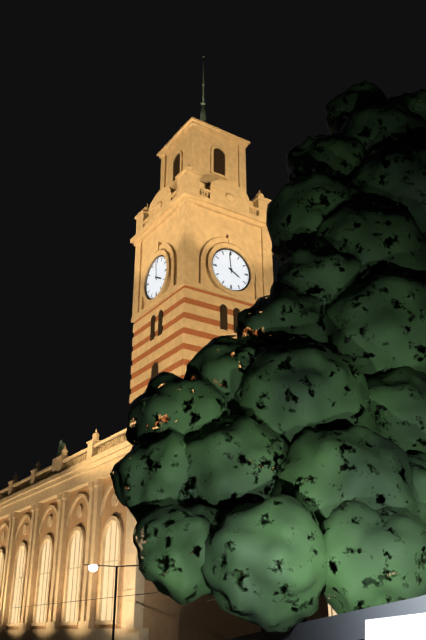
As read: 3h59
